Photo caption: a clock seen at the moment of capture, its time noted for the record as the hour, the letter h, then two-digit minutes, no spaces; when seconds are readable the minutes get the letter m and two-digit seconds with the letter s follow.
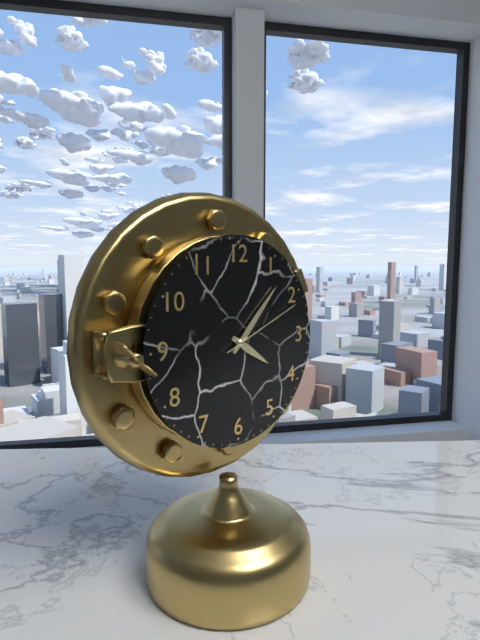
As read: 4h07m11s
